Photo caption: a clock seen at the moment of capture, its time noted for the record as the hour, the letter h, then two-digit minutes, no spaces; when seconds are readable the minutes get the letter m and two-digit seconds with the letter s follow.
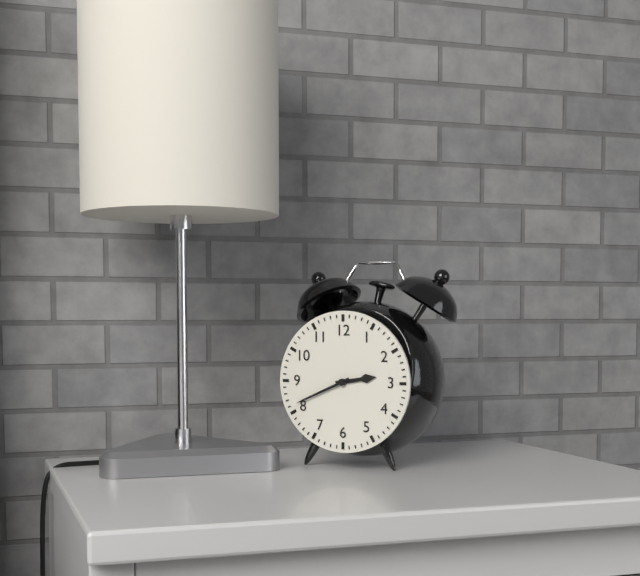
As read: 2h41
